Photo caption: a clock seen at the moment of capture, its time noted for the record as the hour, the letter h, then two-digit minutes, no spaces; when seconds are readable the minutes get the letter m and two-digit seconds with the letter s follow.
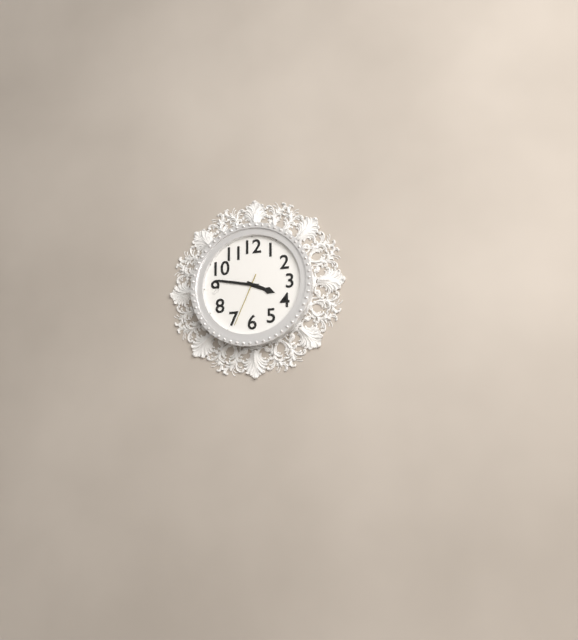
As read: 3h47m34s
